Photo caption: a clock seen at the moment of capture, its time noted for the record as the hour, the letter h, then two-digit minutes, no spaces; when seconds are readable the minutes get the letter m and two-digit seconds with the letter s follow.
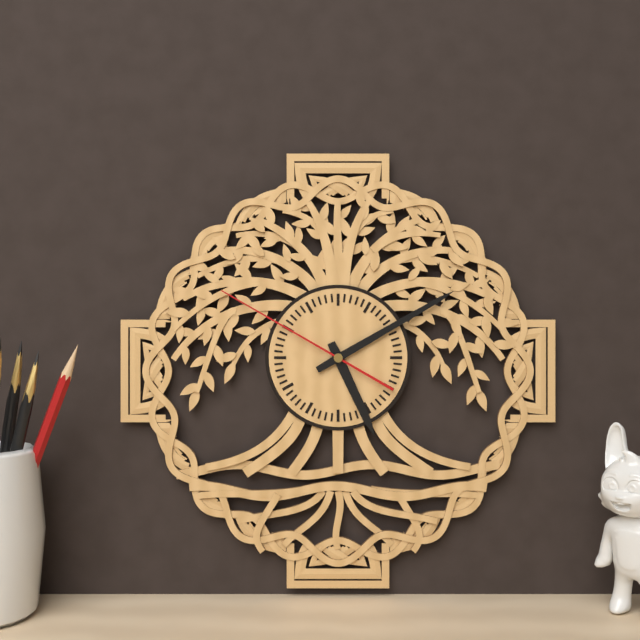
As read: 5h10m50s
